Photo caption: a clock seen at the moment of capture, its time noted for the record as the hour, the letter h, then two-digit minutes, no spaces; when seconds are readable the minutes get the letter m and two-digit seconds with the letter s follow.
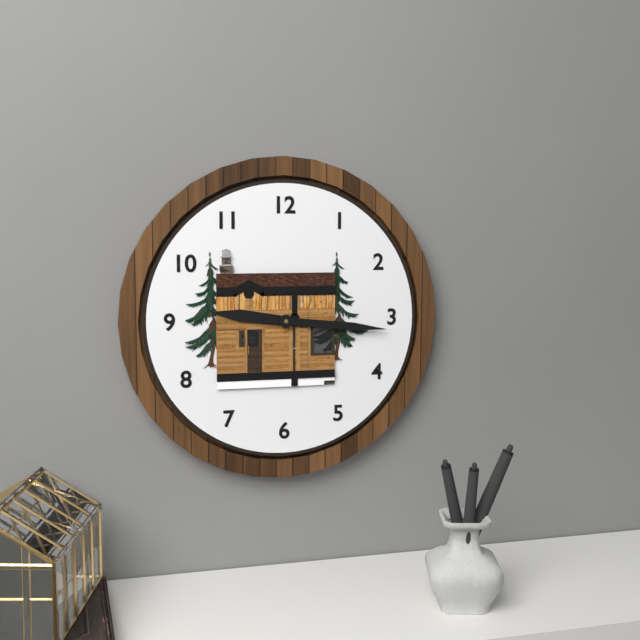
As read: 9h16
